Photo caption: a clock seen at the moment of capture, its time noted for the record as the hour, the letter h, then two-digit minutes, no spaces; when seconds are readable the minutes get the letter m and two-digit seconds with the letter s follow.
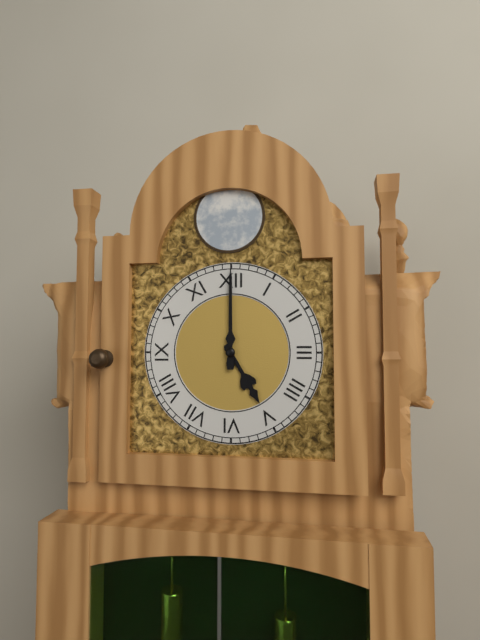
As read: 5h00
